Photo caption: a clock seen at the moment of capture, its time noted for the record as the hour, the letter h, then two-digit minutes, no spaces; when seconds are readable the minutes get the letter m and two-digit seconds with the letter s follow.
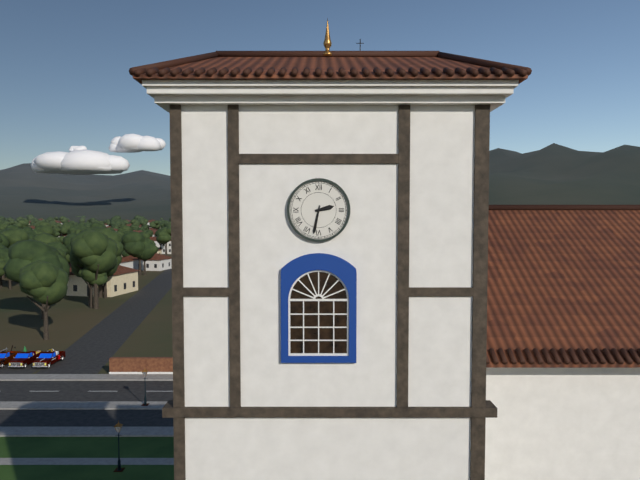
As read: 2h32
